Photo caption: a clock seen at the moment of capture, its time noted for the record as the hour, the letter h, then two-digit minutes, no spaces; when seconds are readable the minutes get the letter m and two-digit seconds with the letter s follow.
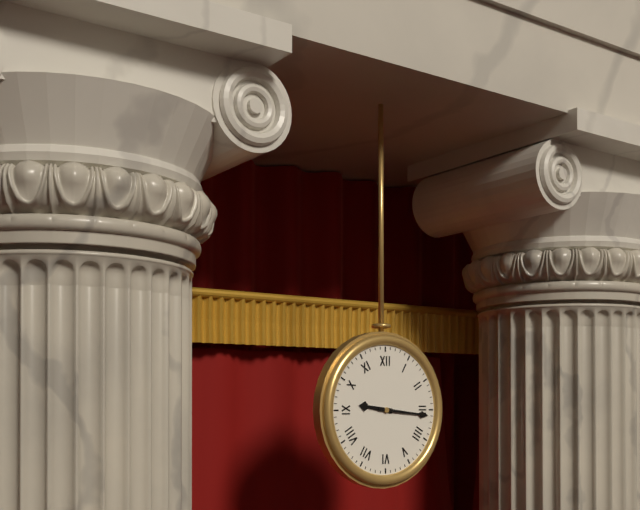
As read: 9h16
